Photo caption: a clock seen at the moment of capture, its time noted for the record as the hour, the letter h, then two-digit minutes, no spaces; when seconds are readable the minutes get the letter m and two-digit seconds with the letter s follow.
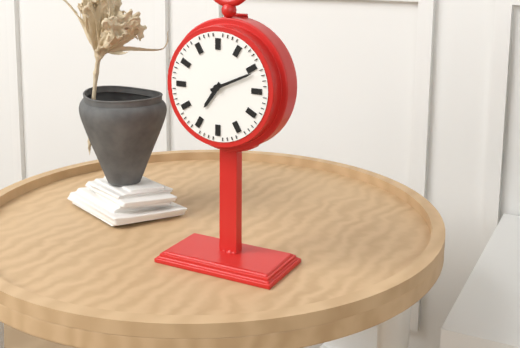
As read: 7h11
